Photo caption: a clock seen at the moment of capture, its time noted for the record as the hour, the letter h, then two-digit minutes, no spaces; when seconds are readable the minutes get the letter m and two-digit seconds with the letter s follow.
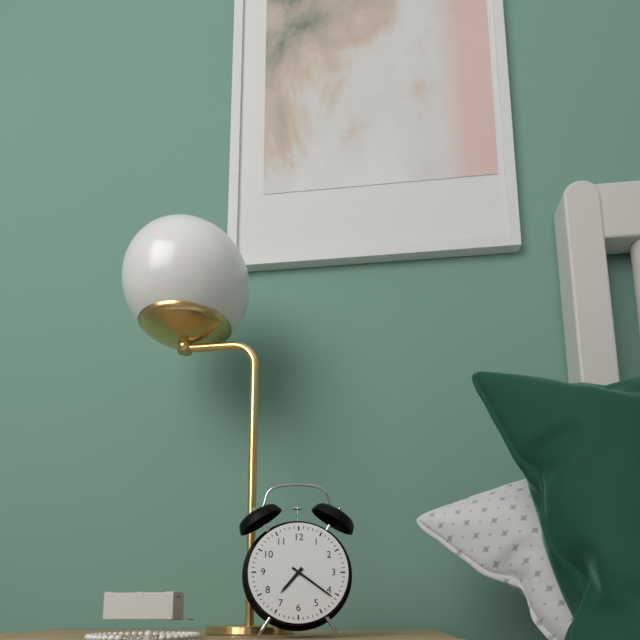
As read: 7h21
